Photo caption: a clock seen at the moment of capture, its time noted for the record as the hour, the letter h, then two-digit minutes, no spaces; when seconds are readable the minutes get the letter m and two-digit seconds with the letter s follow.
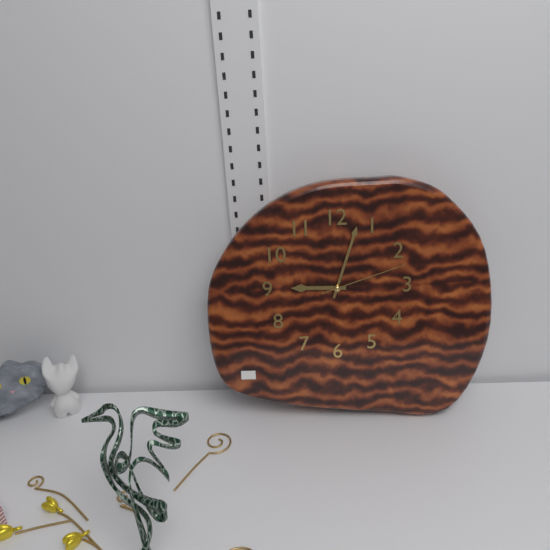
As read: 9h03m12s
